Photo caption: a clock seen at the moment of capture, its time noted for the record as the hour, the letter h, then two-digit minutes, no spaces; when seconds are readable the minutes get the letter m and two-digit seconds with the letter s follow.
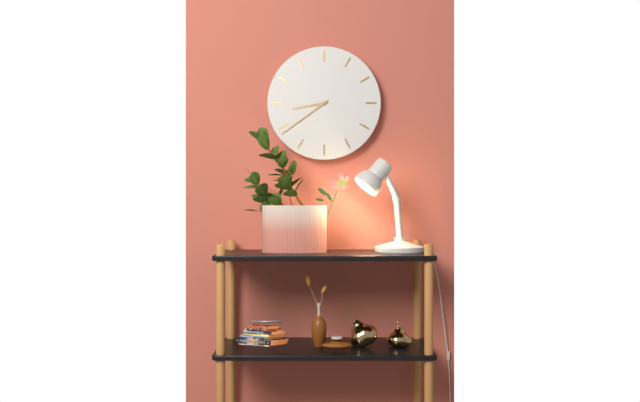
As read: 8h39
